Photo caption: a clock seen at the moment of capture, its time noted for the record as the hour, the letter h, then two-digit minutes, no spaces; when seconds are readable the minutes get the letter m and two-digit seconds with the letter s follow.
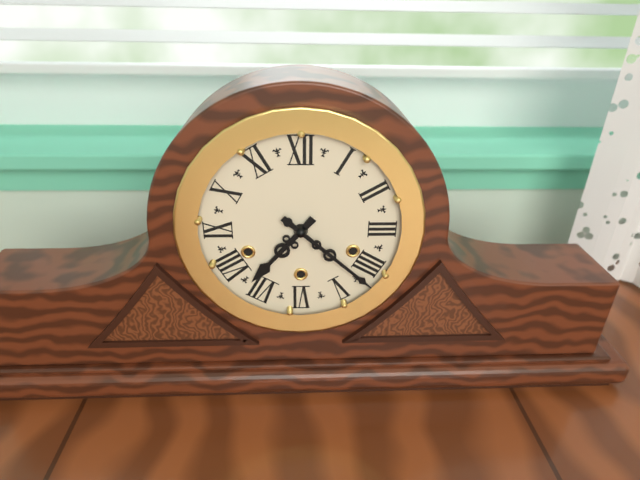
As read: 7h22
